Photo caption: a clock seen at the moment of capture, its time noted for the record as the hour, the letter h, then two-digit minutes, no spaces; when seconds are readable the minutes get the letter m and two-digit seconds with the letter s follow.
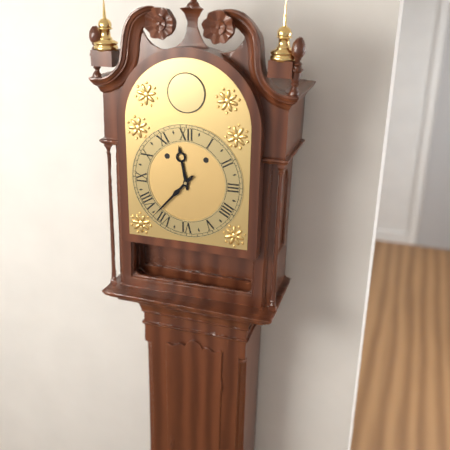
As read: 11h37
